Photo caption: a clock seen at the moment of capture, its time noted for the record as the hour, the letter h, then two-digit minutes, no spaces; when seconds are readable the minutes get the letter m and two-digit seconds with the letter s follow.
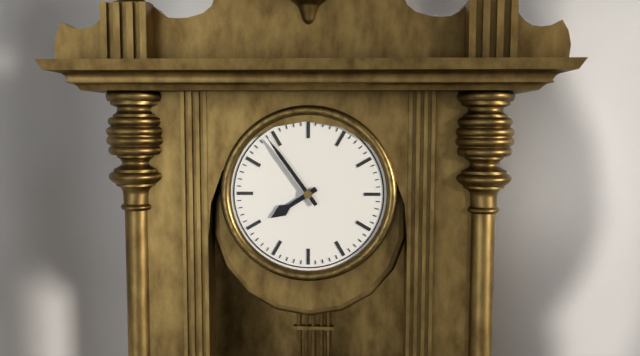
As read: 7h54
